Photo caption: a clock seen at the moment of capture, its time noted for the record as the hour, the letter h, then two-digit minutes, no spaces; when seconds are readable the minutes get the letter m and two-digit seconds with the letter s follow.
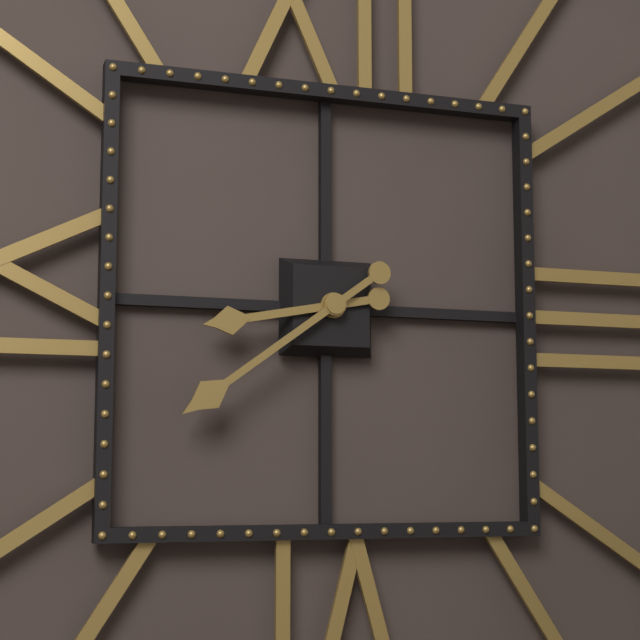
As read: 8h39
